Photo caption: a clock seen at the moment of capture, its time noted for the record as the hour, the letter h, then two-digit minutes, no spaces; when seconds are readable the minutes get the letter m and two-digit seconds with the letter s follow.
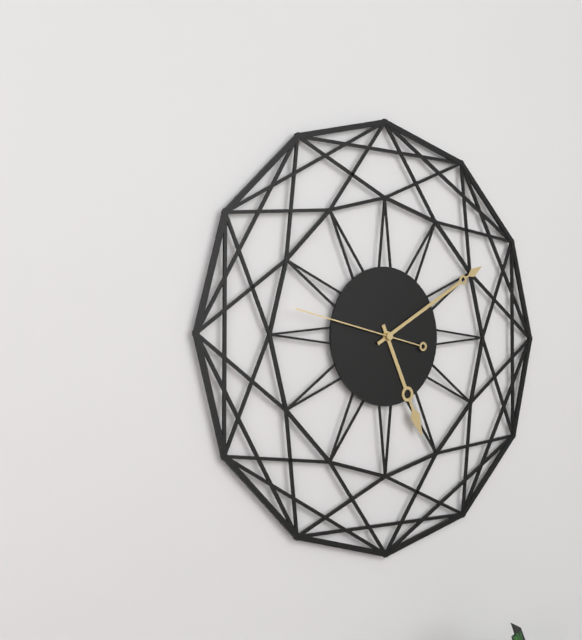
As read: 5h10m47s
